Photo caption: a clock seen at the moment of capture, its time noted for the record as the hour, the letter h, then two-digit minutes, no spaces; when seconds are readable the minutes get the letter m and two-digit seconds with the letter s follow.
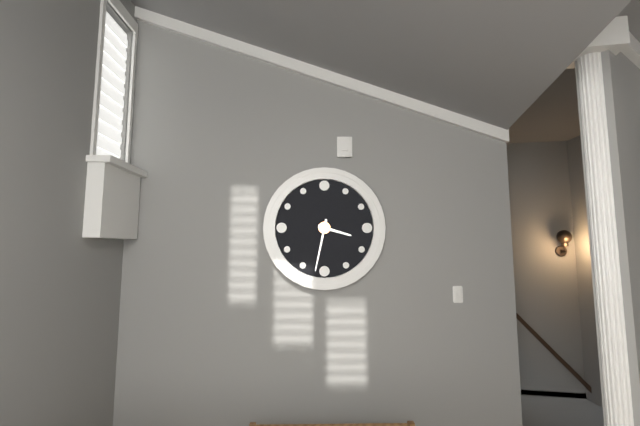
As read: 3h32
